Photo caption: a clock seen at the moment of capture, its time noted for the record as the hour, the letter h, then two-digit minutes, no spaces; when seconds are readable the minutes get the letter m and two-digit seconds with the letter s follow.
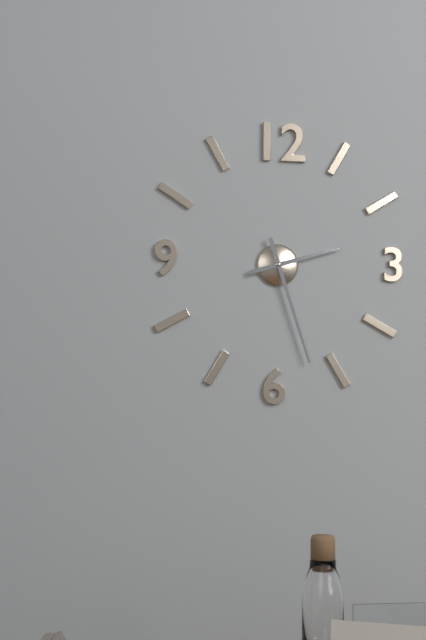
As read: 2h27
